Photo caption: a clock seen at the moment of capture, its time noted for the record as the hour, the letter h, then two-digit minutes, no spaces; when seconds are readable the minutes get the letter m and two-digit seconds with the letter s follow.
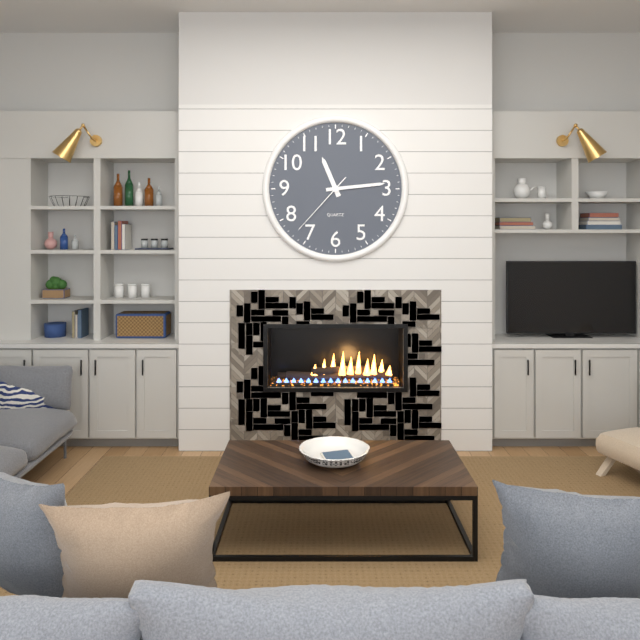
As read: 11h14m37s
